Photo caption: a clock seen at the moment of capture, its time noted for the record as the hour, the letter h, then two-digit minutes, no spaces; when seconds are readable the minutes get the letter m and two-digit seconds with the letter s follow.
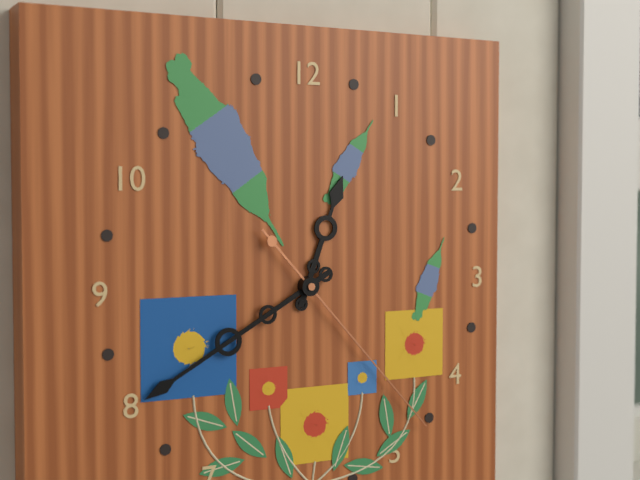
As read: 12h40m23s
